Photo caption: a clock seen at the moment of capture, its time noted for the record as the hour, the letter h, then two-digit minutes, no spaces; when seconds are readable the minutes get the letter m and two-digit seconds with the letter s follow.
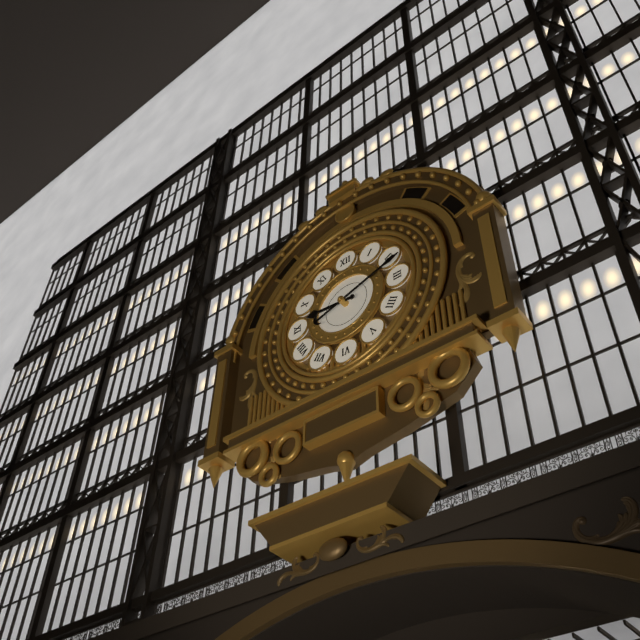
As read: 9h12
